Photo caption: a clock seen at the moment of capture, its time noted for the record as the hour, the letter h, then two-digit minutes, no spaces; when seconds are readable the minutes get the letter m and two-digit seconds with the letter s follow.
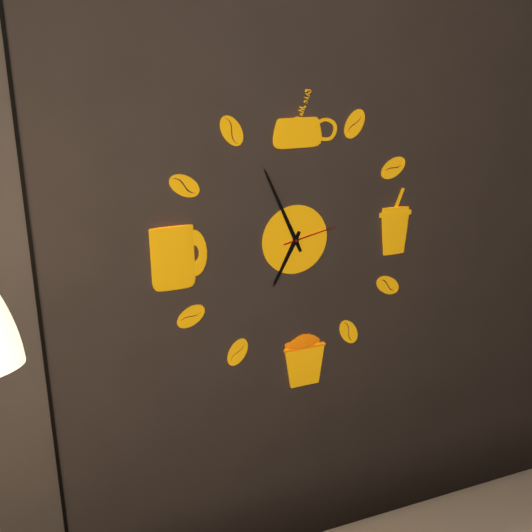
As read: 6h56m13s
